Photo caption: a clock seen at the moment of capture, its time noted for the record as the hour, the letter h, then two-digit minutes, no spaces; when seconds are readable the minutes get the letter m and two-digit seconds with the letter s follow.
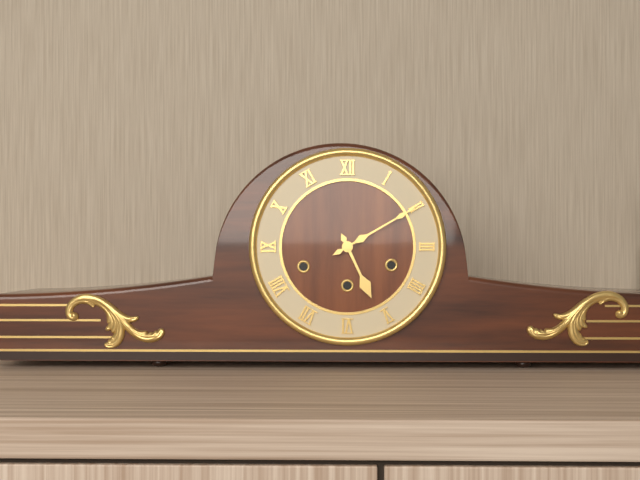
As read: 5h10
